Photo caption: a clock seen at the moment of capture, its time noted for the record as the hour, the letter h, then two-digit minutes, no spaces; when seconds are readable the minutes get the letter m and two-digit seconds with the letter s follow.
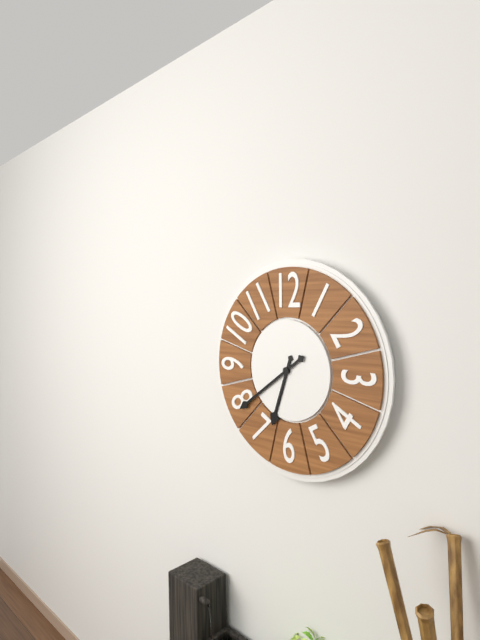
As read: 6h39
